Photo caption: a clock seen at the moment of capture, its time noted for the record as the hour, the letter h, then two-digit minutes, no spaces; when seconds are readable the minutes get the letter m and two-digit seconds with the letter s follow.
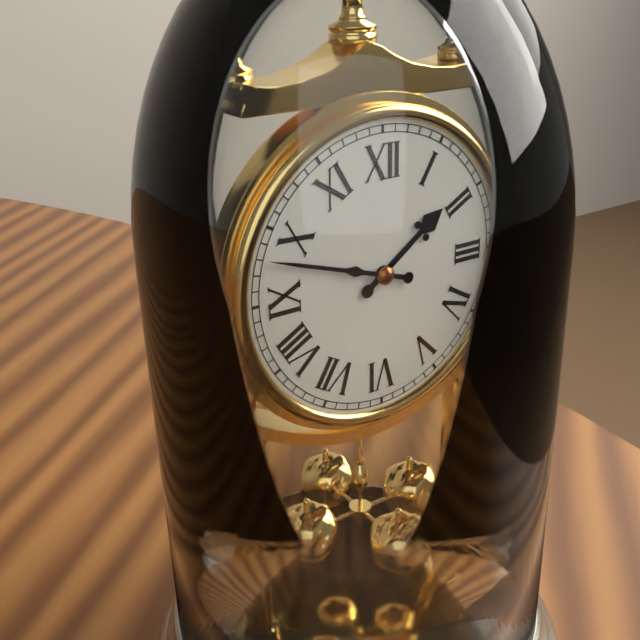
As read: 1h48
